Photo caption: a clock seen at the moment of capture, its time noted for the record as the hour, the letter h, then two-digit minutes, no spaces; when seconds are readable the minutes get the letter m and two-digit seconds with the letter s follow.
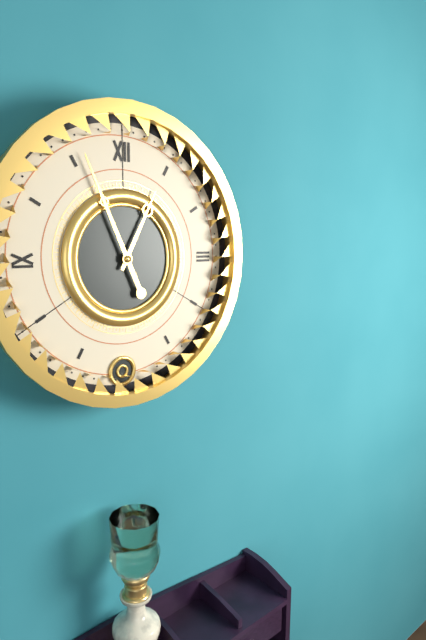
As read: 12h56
